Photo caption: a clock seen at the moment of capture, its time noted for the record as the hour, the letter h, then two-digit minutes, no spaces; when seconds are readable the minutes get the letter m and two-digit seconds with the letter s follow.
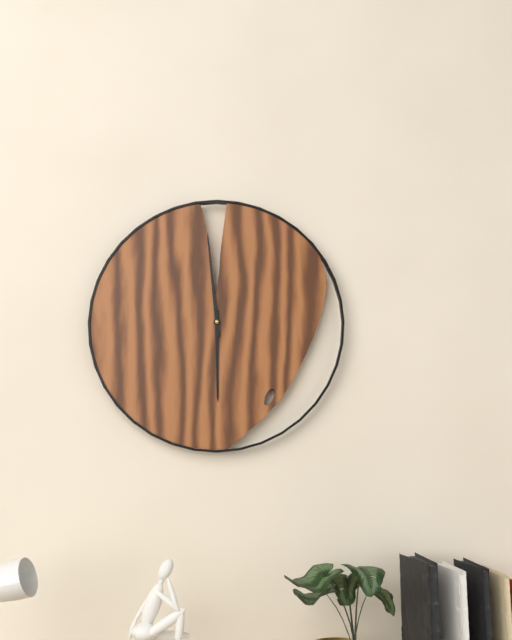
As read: 5h59
